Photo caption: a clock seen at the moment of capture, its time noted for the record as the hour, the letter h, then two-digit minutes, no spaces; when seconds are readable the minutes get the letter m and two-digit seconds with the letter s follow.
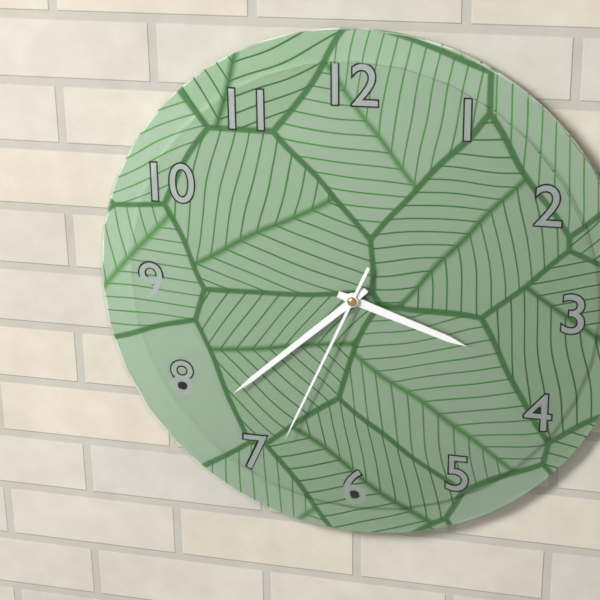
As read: 3h38m34s
